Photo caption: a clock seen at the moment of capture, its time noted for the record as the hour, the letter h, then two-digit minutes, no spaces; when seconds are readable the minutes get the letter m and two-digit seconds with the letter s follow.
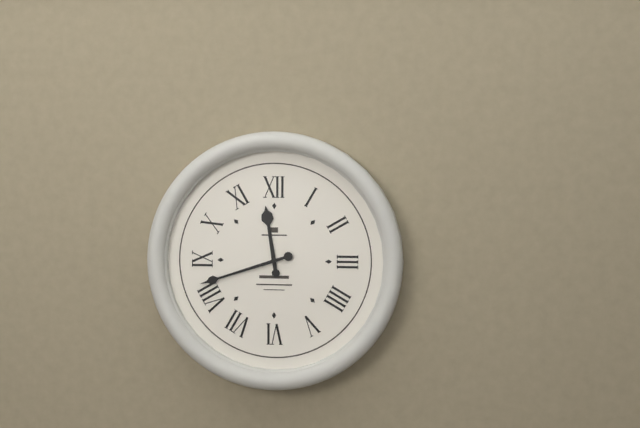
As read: 11h42
